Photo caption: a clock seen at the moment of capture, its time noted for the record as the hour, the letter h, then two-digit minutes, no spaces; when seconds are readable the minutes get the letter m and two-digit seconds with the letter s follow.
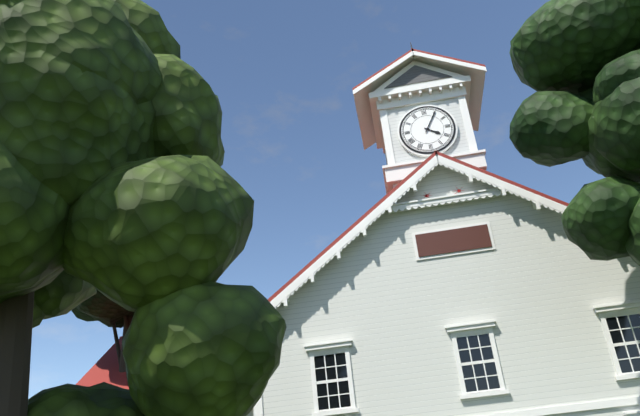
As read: 4h05
